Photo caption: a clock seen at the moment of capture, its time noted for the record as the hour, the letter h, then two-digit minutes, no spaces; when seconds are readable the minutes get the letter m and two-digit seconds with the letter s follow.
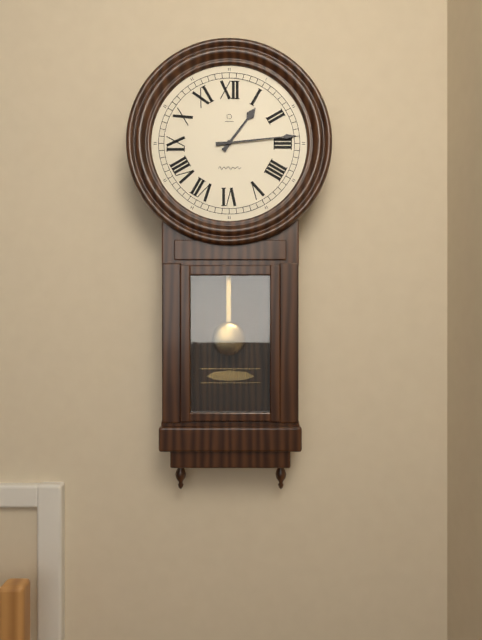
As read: 1h14
